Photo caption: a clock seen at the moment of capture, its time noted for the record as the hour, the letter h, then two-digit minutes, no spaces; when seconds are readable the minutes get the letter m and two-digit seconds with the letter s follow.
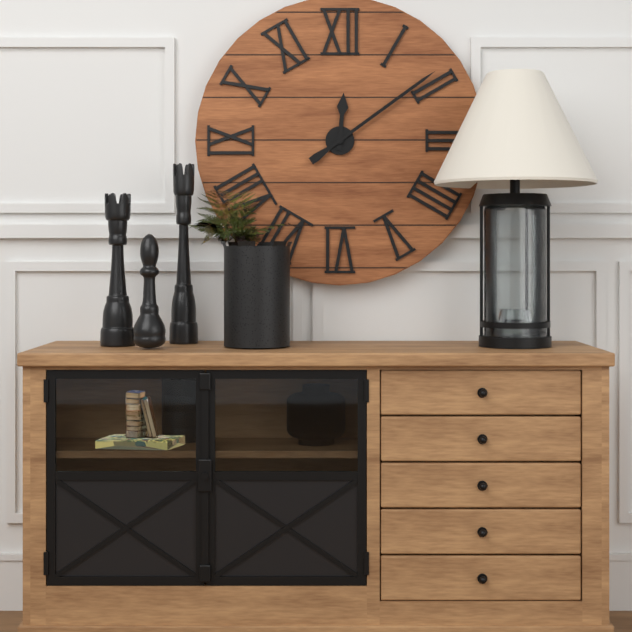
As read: 12h09
